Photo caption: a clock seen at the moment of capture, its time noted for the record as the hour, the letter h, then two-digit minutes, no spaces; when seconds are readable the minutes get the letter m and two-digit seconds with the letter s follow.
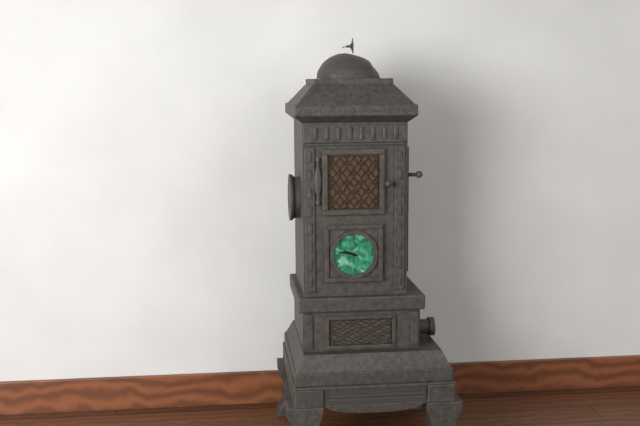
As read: 9h47
